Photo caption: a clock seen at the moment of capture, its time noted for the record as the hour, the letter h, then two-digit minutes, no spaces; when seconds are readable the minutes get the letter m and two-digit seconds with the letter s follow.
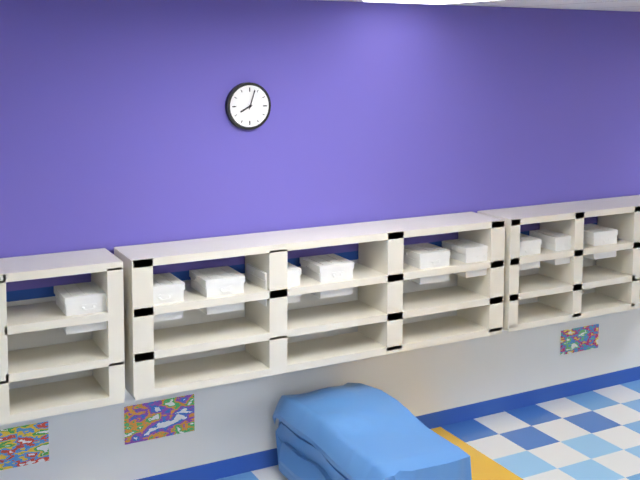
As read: 8h03
